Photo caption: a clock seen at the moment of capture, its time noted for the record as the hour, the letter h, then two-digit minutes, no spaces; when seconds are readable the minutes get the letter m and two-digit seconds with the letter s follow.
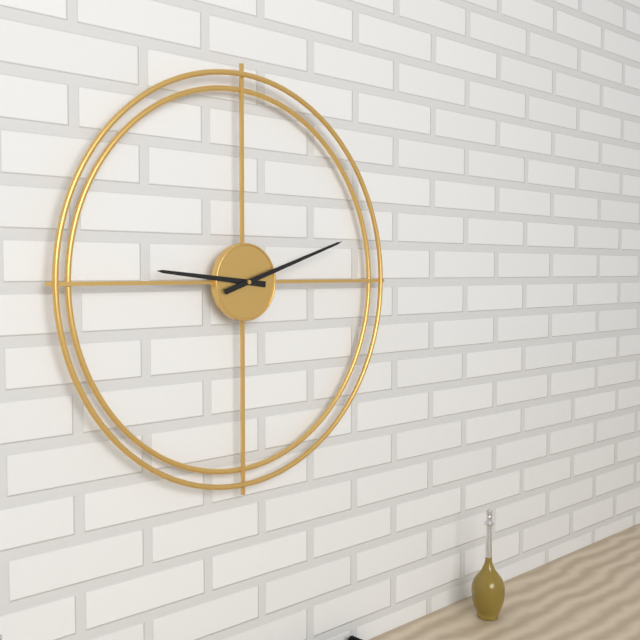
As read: 9h12
